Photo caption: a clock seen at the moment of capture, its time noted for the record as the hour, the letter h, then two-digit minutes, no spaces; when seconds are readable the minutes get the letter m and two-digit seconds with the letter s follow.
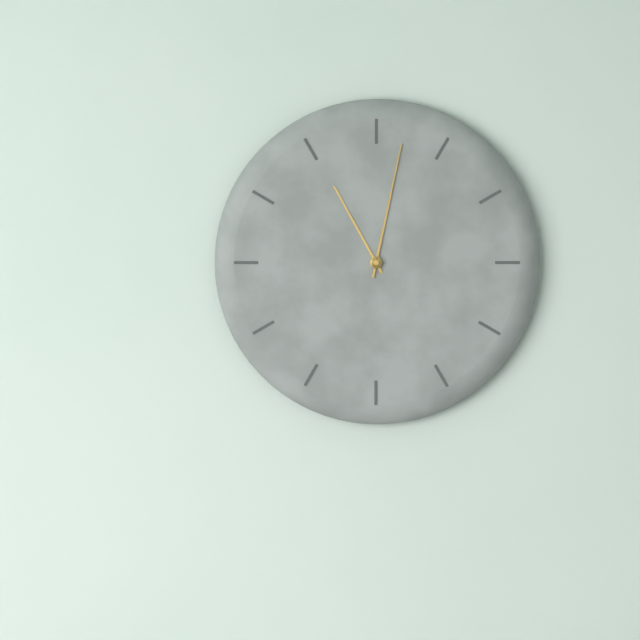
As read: 11h02
